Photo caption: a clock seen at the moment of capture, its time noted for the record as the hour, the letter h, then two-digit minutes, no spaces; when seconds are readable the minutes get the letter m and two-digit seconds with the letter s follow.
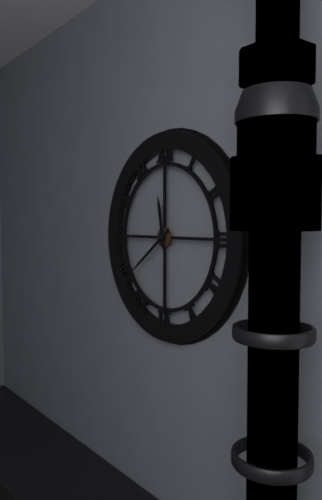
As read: 11h39
